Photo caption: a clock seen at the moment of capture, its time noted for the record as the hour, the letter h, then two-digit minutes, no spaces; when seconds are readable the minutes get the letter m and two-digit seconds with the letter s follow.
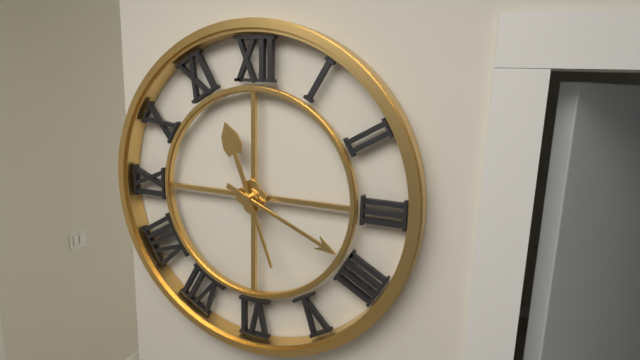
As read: 11h19
